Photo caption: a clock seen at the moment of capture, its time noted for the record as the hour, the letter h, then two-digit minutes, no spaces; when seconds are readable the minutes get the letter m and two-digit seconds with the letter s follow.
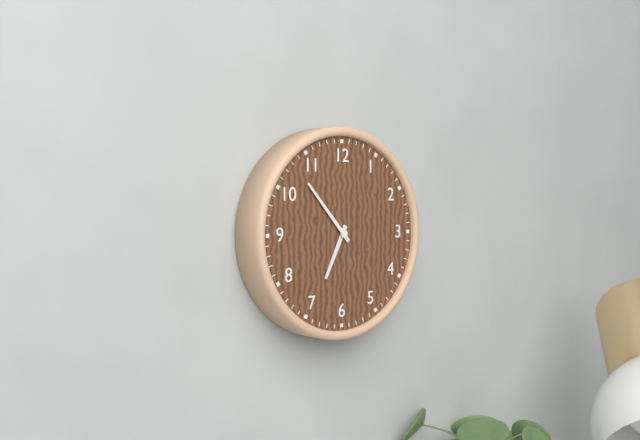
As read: 6h53
